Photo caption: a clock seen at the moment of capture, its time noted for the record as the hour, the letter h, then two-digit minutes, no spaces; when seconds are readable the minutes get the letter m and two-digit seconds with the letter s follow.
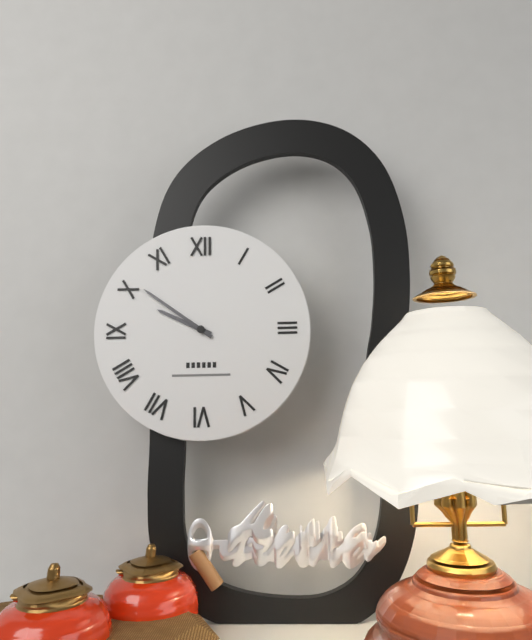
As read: 9h51
